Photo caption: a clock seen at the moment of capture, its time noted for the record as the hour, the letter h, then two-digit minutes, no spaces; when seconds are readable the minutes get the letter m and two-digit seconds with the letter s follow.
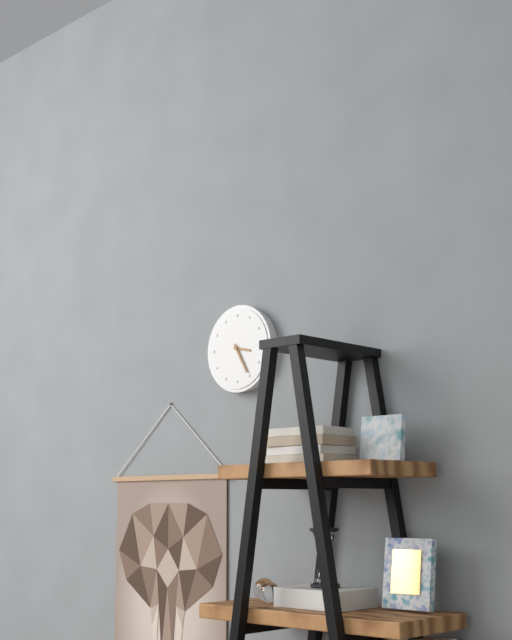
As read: 3h25
